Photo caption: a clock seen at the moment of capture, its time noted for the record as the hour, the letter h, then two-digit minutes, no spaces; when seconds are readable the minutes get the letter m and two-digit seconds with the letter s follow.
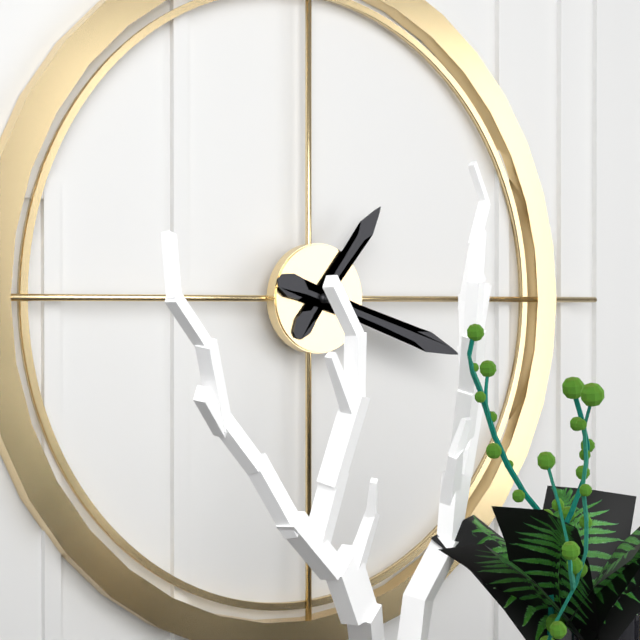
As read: 1h18
